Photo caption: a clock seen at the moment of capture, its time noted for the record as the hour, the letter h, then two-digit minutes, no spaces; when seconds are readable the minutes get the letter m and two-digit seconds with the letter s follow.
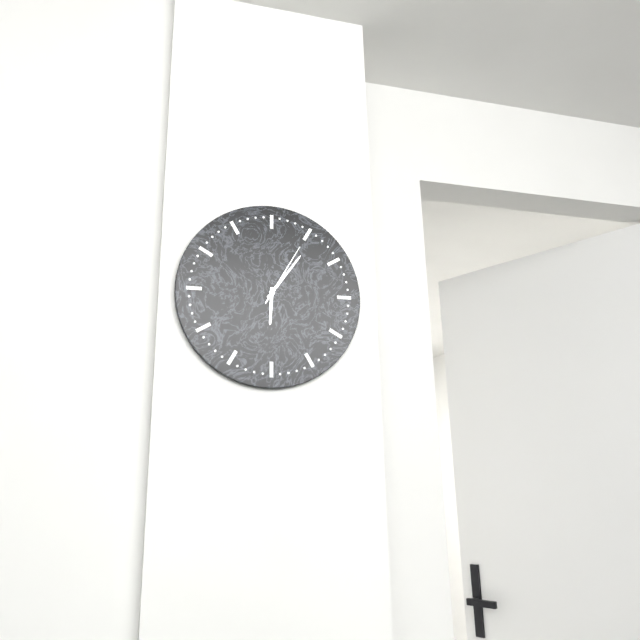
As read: 6h06m05s
